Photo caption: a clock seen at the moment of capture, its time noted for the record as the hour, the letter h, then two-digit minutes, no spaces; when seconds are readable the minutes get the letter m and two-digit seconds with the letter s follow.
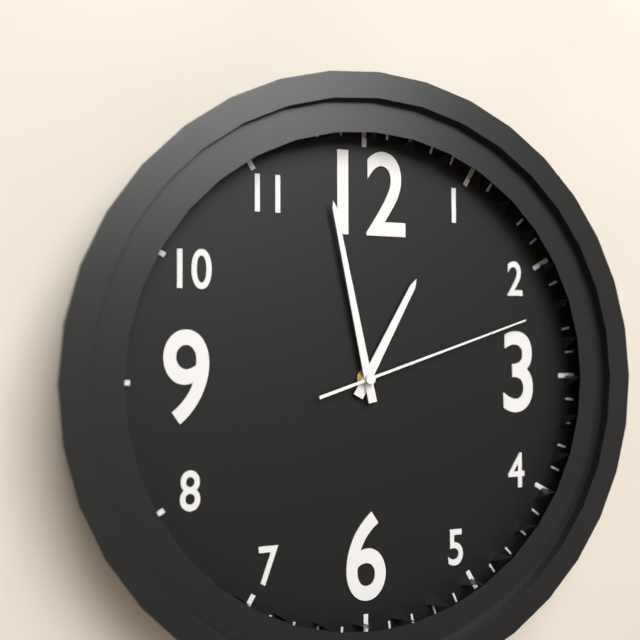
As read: 12h58m12s
